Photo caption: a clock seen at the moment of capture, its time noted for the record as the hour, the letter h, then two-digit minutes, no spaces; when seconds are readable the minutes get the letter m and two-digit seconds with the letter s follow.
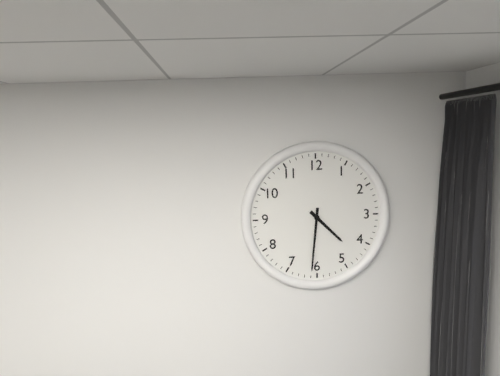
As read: 4h31
